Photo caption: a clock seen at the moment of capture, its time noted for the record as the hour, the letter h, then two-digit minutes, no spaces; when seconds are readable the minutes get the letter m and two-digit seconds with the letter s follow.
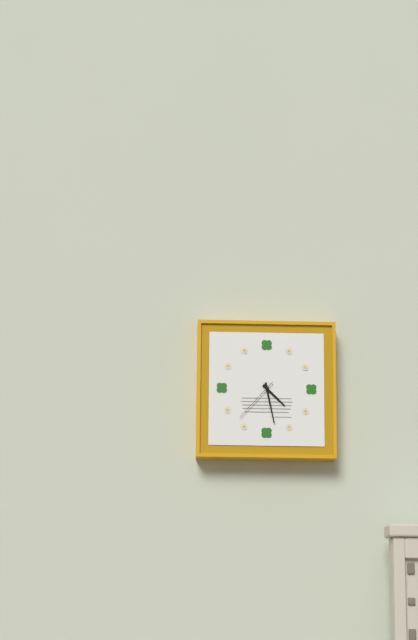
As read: 4h28
